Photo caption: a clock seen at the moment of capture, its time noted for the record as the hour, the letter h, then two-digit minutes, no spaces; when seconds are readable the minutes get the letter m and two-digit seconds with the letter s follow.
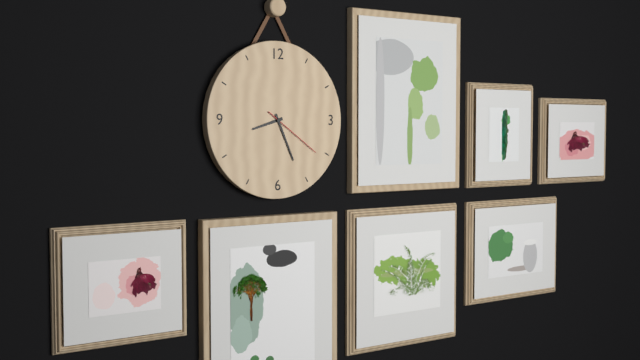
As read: 8h26m21s
